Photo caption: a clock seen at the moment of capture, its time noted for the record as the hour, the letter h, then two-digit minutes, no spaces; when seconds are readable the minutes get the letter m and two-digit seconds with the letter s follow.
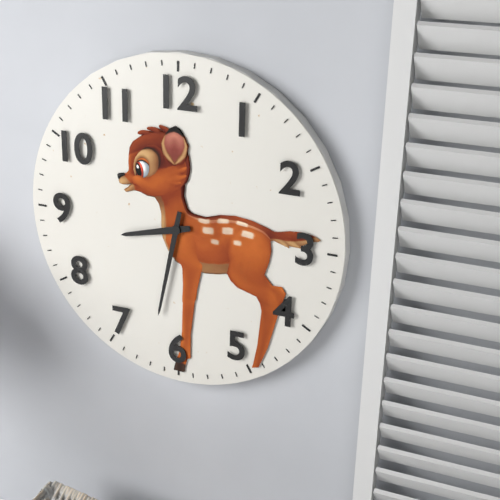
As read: 8h32
